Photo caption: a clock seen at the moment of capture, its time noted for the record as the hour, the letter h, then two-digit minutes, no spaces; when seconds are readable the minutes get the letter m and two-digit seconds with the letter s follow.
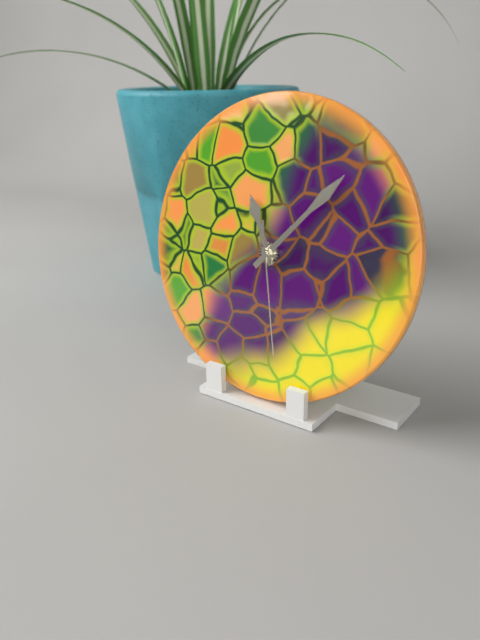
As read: 11h07m28s
